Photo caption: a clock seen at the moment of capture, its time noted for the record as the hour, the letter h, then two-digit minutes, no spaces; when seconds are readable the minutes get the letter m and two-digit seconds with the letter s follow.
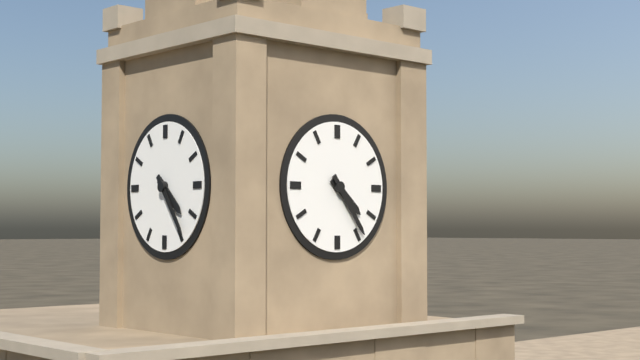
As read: 4h24
